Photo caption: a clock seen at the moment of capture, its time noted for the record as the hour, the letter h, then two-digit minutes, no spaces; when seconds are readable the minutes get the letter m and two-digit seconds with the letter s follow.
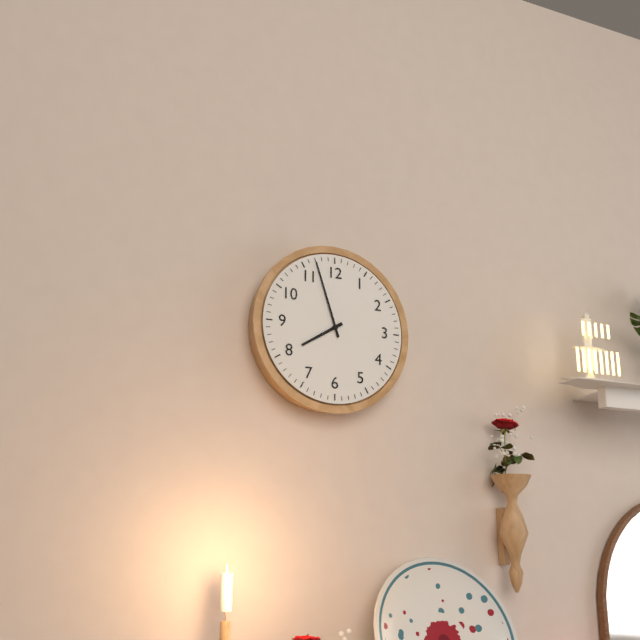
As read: 7h57
